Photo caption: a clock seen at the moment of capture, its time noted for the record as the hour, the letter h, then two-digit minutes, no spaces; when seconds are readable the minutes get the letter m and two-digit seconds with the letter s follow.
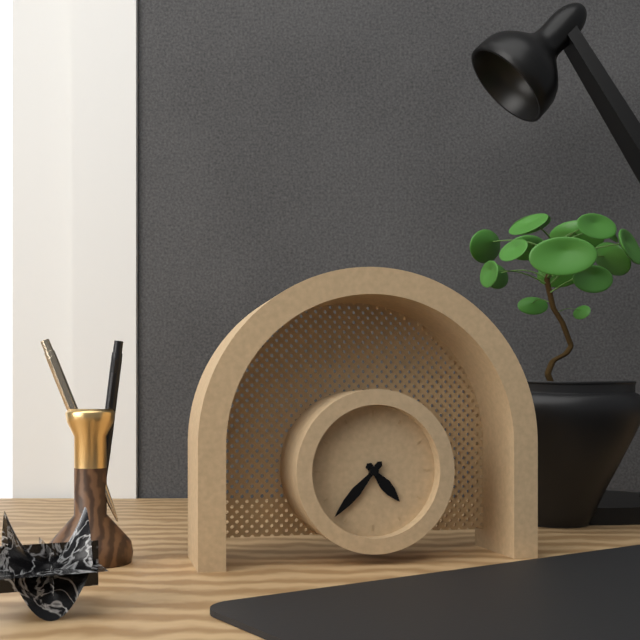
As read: 4h37
